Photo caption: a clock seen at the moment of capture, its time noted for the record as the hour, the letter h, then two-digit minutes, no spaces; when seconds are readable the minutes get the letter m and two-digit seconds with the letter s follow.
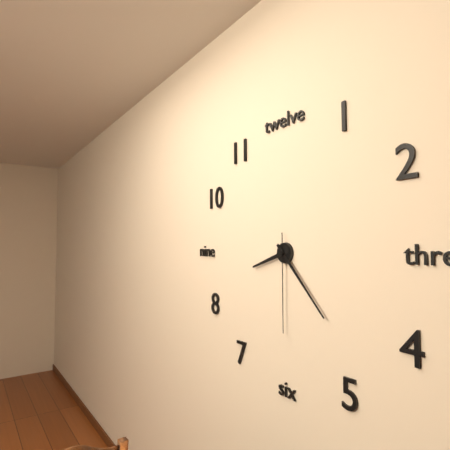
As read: 8h23m30s
